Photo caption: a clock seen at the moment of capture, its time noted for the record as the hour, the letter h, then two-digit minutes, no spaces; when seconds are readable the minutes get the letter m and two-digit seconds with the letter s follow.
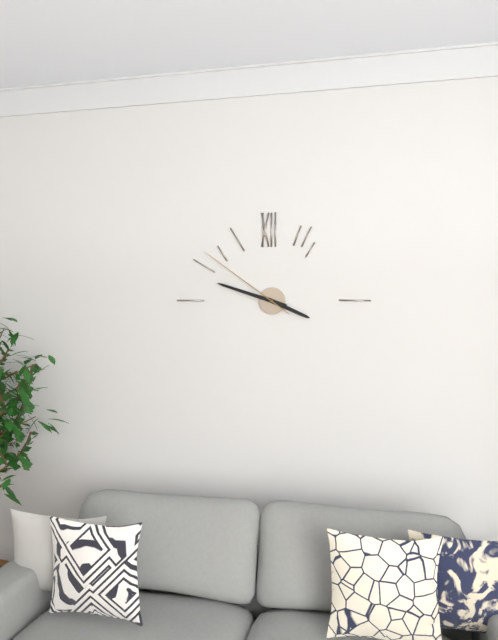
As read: 3h48m51s
